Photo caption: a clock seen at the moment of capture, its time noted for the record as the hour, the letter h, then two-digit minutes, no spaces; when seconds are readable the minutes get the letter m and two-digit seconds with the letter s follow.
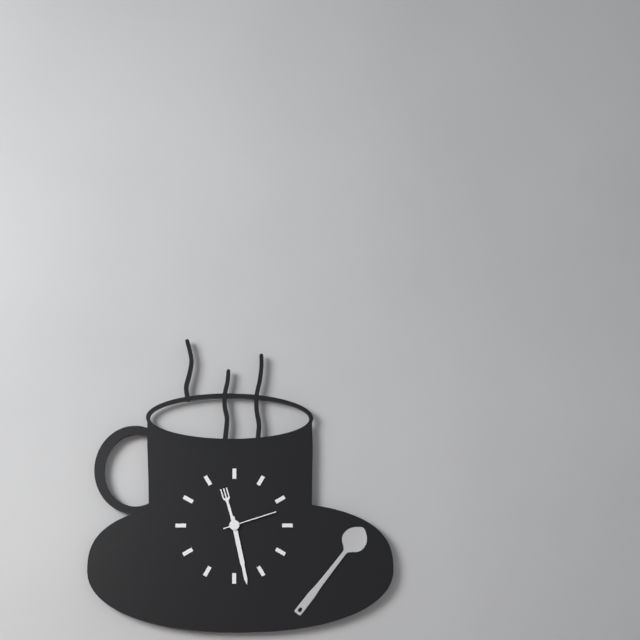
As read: 11h28m12s
